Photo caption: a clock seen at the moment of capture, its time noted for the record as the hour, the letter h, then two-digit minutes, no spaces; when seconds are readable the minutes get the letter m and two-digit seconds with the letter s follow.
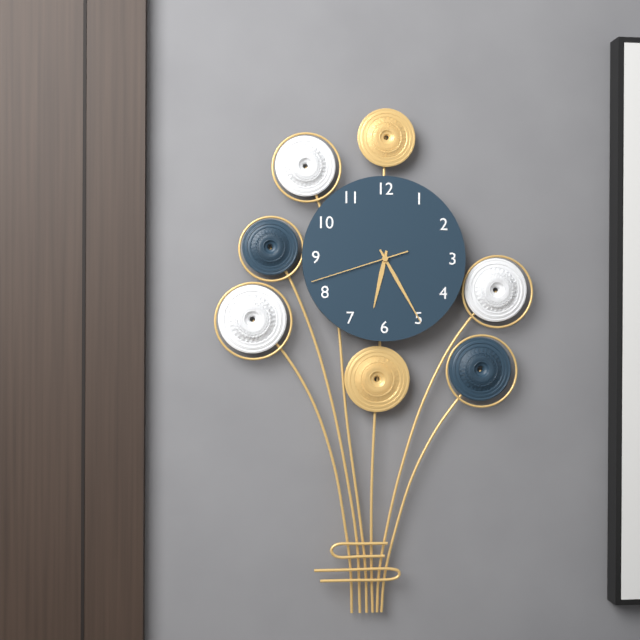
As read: 6h25m42s
